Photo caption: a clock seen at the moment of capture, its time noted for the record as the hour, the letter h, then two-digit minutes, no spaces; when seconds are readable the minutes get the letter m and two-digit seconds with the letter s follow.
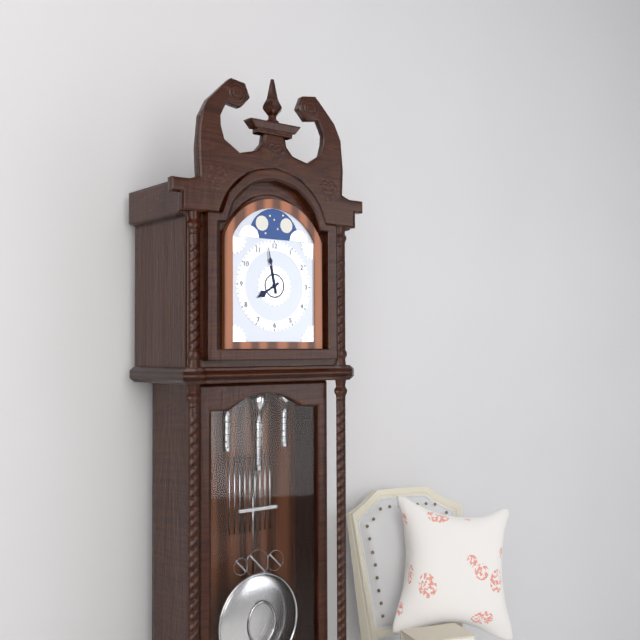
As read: 7h58
